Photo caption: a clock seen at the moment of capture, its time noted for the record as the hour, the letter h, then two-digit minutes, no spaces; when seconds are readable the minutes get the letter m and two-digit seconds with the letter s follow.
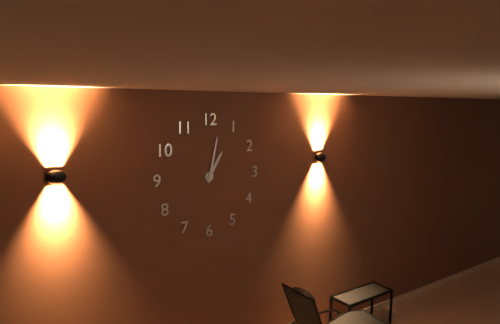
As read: 1h02
